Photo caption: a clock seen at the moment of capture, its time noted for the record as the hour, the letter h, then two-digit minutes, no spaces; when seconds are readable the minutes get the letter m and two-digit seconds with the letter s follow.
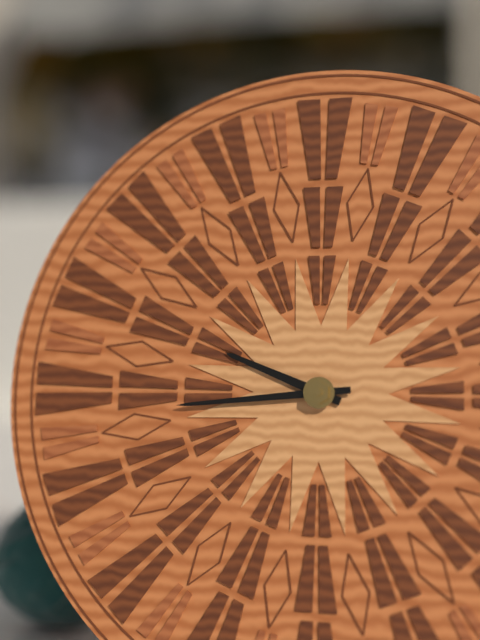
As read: 9h44
